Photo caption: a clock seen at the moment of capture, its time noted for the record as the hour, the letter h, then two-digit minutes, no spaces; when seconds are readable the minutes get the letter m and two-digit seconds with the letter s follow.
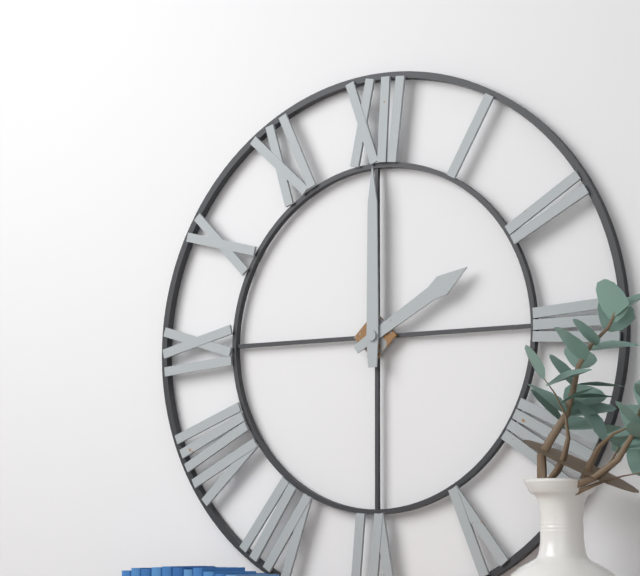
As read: 2h00
